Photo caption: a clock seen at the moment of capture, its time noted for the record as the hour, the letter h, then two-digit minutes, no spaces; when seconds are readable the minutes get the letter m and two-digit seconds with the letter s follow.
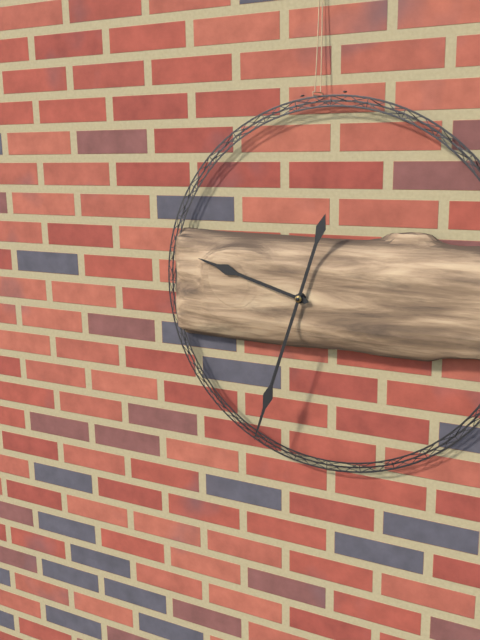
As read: 9h33
